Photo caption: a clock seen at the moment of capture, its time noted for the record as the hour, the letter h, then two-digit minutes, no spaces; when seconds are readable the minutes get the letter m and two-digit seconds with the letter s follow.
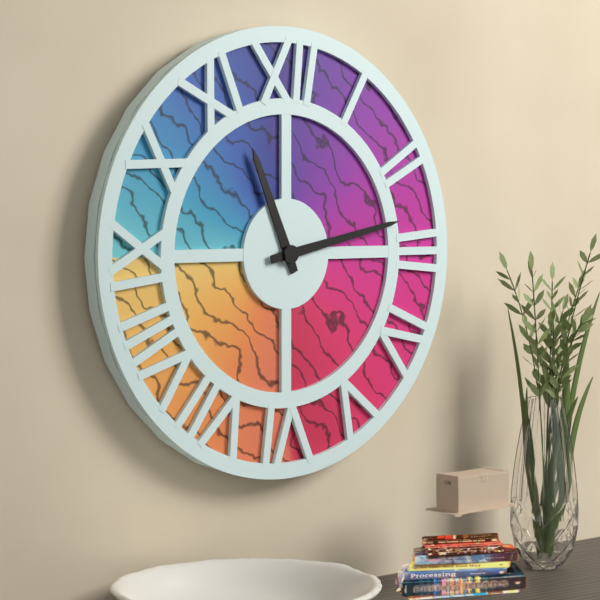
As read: 11h13
